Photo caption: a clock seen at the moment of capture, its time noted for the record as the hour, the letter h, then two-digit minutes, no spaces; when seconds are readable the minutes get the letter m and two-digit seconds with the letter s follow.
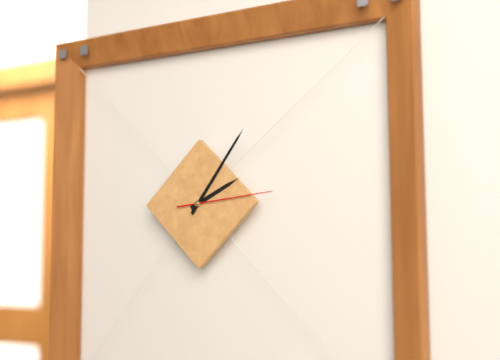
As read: 2h06m14s
